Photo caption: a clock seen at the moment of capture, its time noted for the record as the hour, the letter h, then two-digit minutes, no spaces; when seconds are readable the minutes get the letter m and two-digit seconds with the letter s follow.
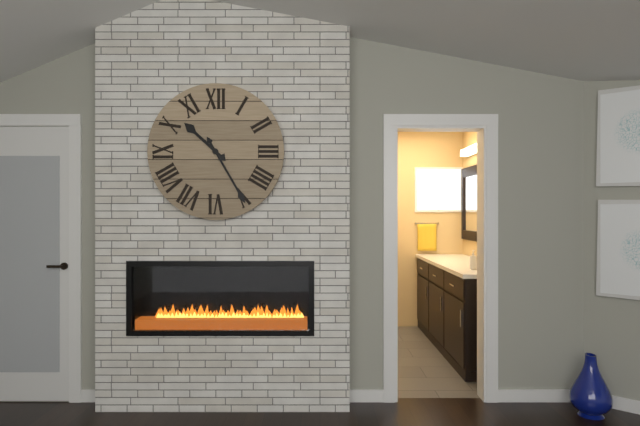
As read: 10h25
